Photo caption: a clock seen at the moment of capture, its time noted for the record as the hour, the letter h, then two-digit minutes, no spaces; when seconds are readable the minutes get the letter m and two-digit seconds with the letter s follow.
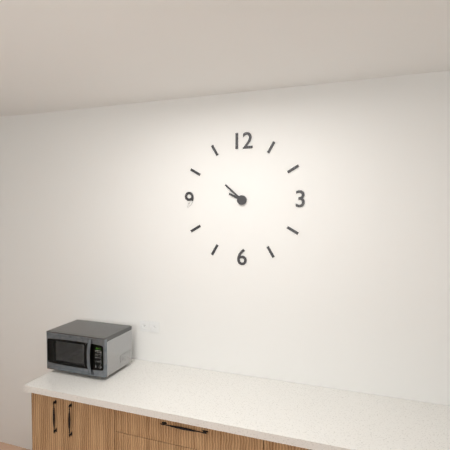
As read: 9h52
